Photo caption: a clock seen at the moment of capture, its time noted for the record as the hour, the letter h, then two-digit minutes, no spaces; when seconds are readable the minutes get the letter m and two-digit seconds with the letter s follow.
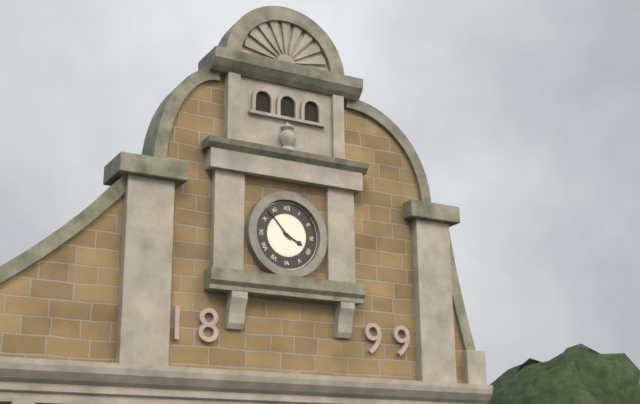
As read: 3h53
